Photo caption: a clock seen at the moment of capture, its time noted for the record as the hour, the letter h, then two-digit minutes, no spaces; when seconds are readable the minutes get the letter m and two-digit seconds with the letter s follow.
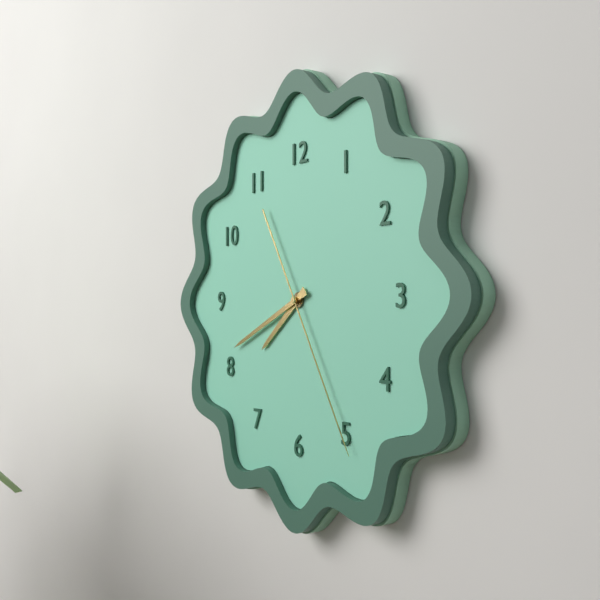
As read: 7h41m25s
